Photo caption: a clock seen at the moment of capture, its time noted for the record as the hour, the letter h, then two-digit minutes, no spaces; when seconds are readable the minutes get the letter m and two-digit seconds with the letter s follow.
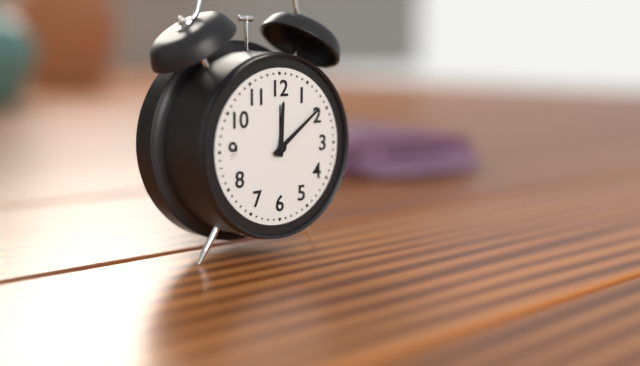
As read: 12h09
